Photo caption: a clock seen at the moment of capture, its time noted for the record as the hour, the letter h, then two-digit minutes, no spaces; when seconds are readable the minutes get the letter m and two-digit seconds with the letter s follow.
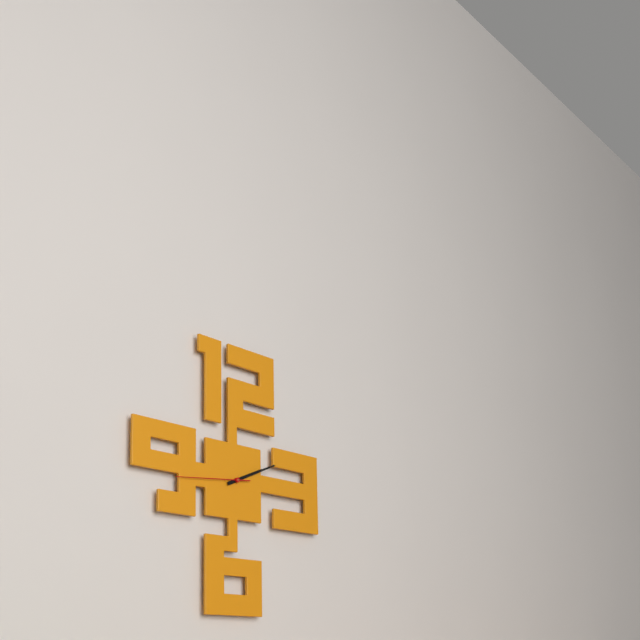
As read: 2h11m44s
